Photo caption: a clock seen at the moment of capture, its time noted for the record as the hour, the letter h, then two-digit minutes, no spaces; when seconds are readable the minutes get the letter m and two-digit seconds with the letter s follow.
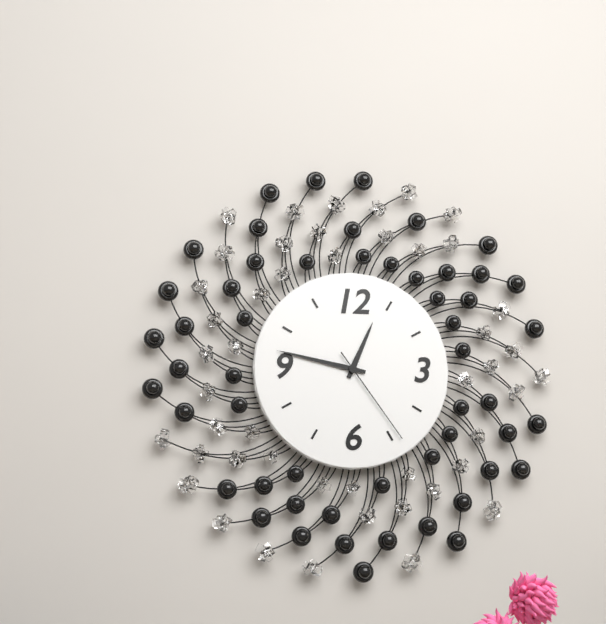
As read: 12h47m24s
